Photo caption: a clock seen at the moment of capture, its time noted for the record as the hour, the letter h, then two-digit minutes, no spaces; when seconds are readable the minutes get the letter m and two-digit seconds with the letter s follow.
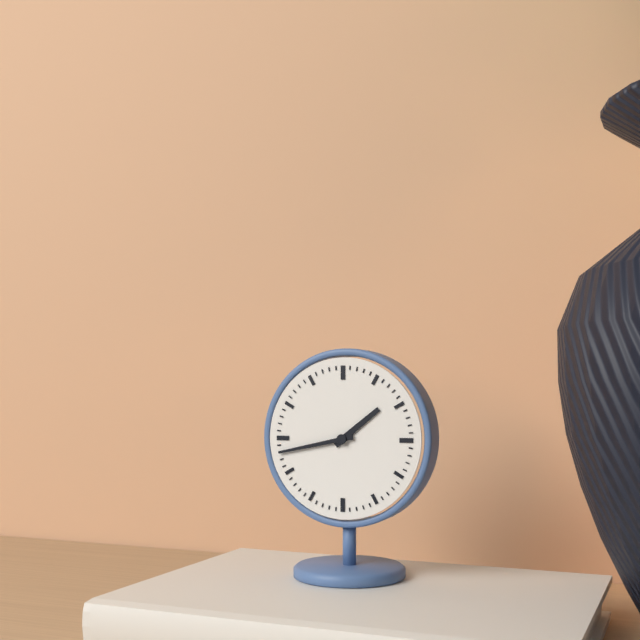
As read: 1h43
